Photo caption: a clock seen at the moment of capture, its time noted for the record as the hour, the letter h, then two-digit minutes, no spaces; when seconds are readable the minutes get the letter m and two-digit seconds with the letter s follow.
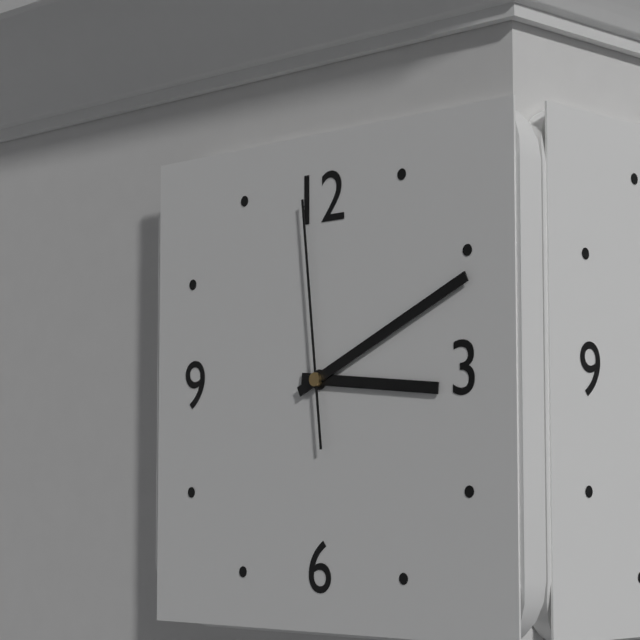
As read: 3h11m59s
